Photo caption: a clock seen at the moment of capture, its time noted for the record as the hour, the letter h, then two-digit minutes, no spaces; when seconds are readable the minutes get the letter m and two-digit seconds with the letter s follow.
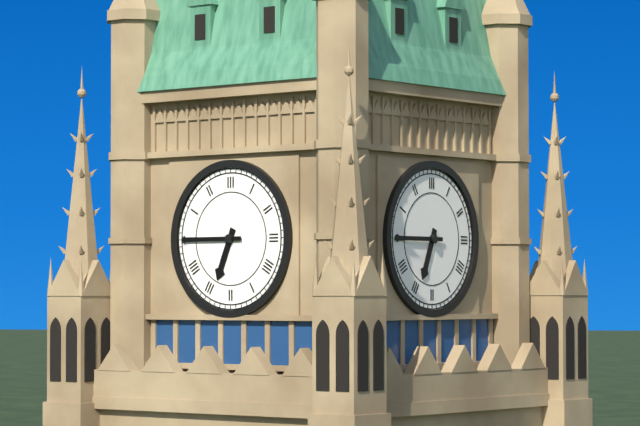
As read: 6h45
